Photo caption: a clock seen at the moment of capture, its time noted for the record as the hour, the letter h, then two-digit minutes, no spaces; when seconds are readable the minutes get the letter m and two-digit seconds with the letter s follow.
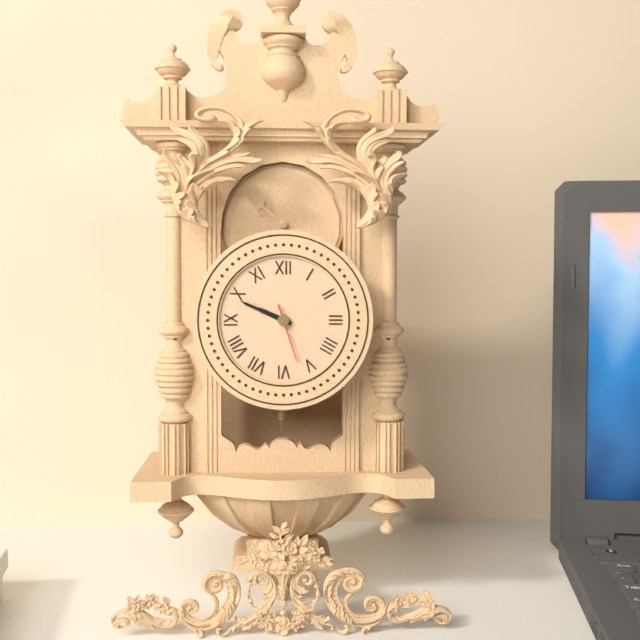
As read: 9h49m27s
